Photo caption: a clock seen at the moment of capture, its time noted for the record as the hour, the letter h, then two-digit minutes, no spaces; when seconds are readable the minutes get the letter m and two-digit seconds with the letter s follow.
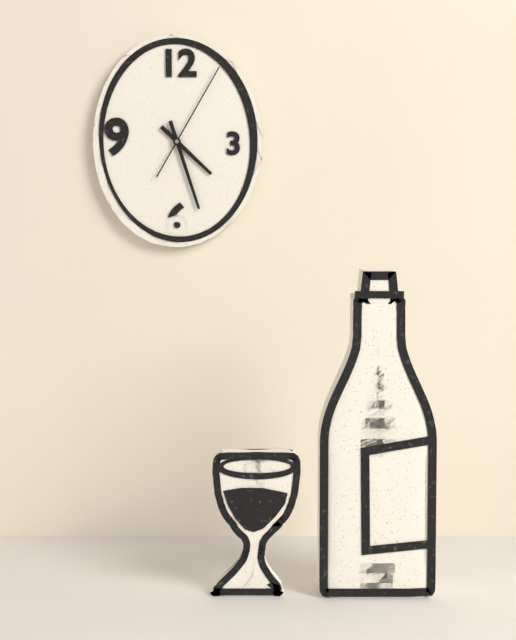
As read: 4h27m05s
